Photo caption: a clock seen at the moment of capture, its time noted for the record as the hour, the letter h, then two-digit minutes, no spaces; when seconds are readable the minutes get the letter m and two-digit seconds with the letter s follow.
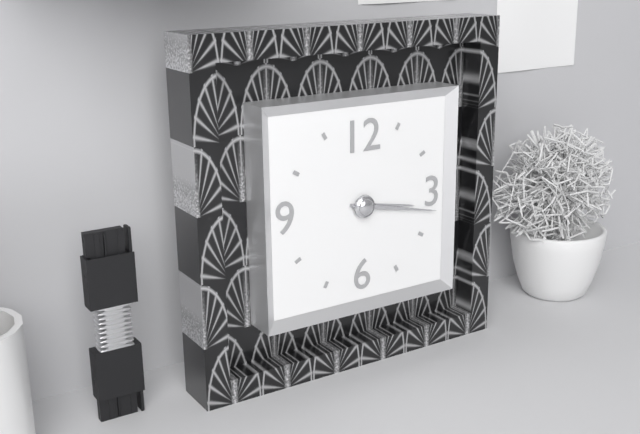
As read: 3h17
